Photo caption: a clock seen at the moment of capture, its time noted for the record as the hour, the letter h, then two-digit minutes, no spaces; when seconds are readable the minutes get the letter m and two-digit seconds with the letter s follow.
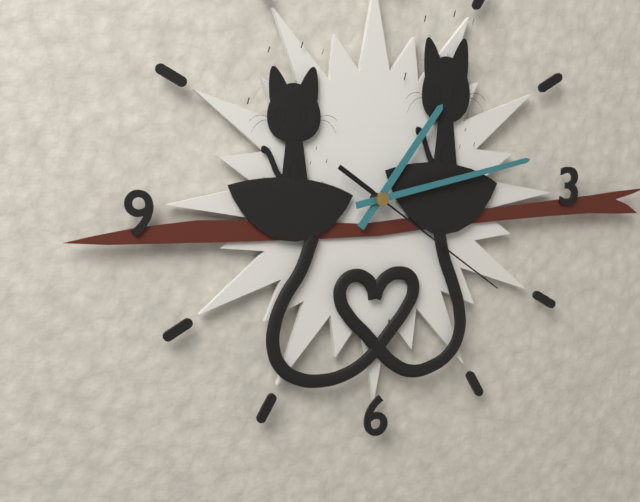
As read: 1h13m21s
